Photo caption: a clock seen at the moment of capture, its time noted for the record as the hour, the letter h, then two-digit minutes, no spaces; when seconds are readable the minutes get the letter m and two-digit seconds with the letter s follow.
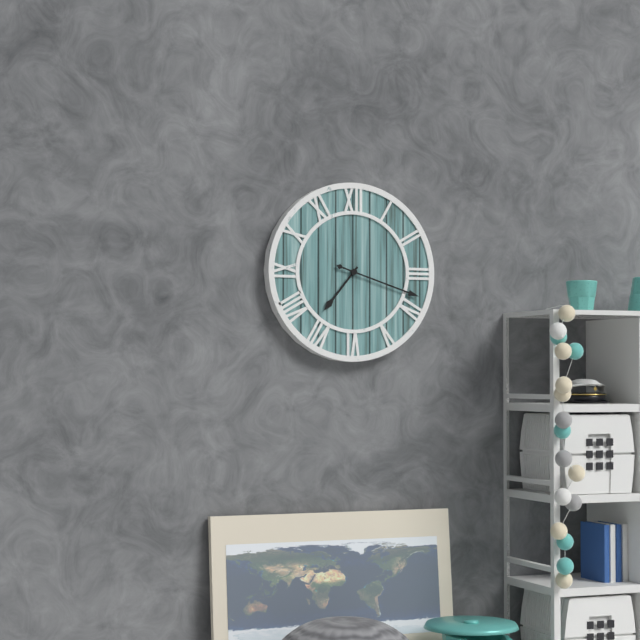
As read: 7h18
